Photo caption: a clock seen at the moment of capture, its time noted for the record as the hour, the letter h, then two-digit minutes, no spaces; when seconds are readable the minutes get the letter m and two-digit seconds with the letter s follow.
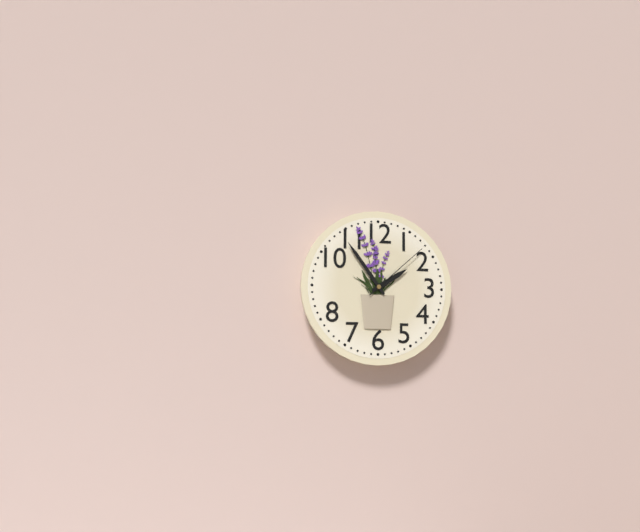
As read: 1h54m08s
